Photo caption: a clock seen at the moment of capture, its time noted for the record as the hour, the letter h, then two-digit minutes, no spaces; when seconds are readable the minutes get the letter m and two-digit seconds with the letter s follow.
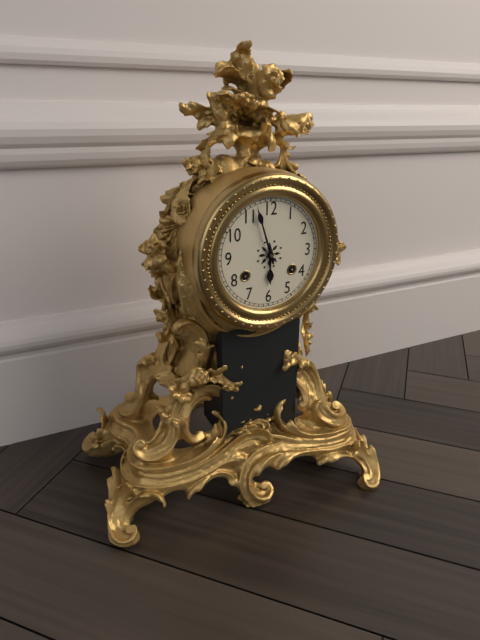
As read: 5h57
